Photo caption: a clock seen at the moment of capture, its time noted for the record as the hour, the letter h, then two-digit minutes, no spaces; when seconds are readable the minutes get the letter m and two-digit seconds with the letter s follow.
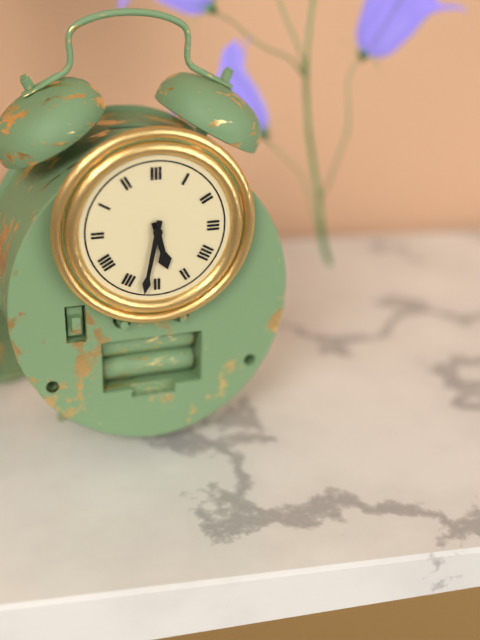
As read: 5h32
